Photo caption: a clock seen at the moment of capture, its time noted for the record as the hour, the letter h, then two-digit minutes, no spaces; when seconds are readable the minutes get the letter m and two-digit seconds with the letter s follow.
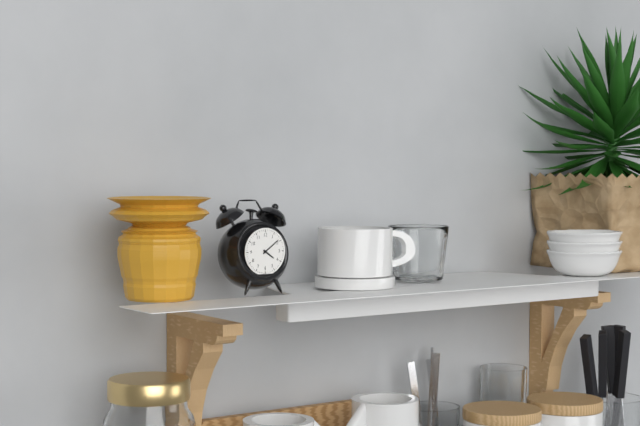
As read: 4h09
